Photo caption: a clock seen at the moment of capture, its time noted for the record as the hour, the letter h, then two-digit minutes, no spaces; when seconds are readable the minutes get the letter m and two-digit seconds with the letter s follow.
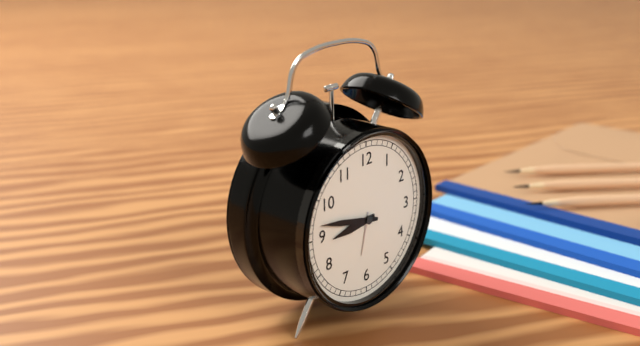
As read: 8h47
